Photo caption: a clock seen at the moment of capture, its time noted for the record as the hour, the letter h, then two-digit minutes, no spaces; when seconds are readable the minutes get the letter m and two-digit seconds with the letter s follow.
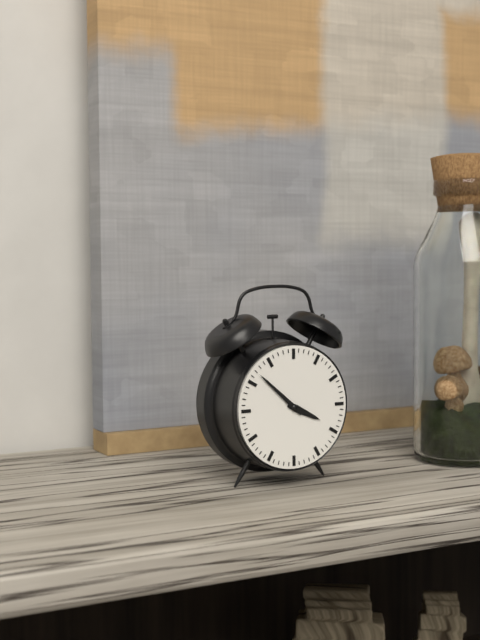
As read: 3h52
